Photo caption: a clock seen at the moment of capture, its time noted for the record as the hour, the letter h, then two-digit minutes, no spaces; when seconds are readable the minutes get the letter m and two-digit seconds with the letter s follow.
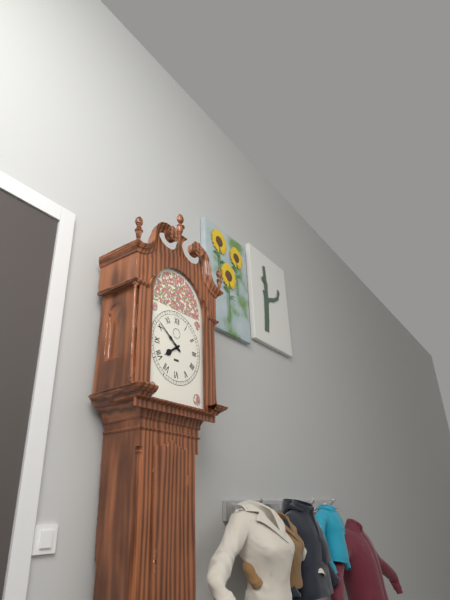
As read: 7h51
